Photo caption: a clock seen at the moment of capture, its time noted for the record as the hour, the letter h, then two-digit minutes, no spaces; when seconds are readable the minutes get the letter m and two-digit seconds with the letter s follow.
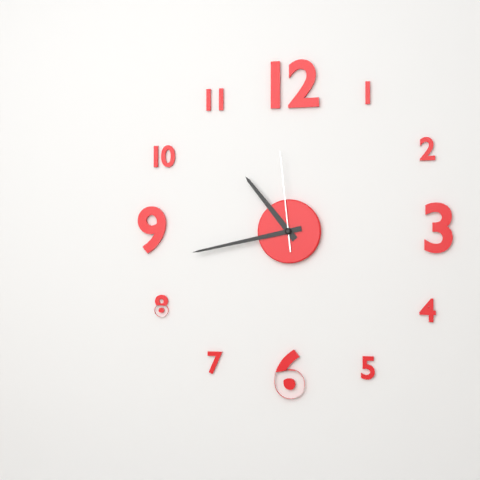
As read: 10h43m59s
